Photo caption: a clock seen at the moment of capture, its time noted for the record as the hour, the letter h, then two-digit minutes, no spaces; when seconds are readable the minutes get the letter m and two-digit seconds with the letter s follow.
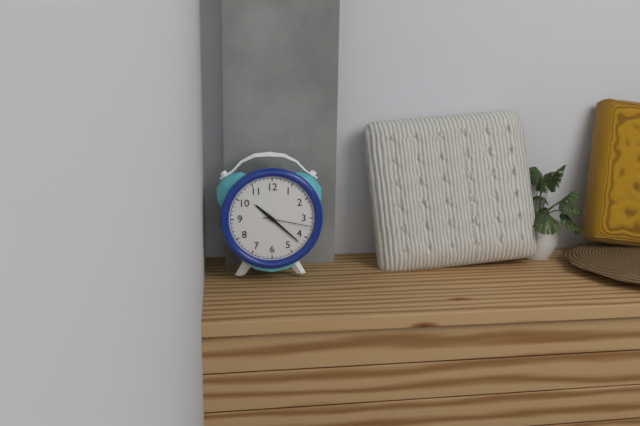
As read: 10h22
